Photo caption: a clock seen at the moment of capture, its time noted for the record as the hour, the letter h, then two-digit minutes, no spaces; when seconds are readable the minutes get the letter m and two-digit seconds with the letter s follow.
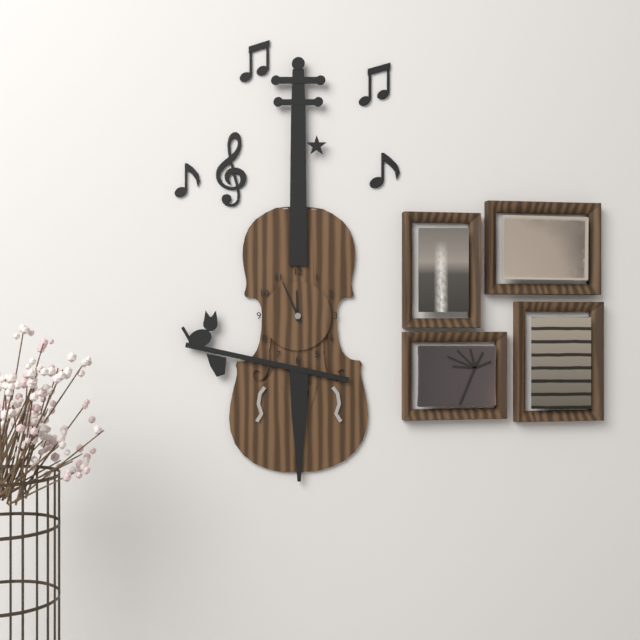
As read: 11h56
